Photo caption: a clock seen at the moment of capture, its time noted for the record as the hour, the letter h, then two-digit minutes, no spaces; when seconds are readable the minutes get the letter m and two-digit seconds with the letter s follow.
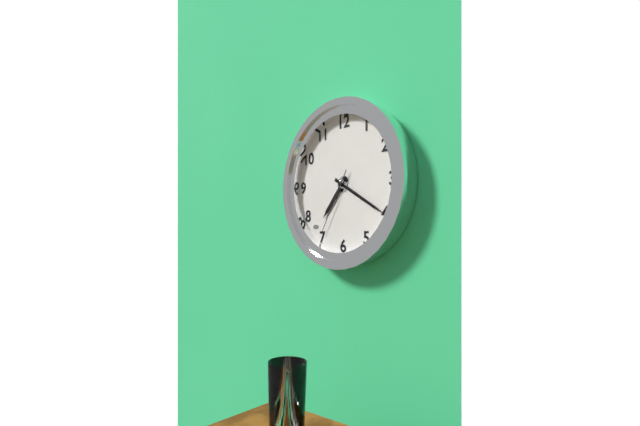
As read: 7h20m35s
